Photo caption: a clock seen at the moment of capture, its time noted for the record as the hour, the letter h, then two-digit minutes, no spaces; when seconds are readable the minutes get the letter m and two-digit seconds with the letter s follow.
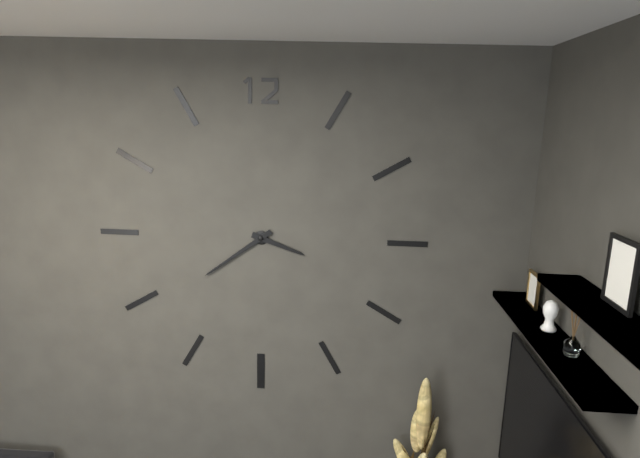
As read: 3h39
